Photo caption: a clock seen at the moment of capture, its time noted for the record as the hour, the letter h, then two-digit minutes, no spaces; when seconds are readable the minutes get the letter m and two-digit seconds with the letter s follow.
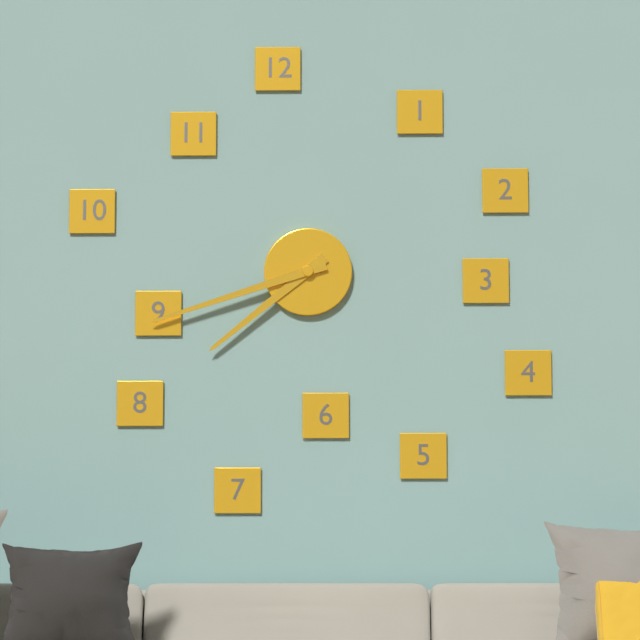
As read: 7h42
